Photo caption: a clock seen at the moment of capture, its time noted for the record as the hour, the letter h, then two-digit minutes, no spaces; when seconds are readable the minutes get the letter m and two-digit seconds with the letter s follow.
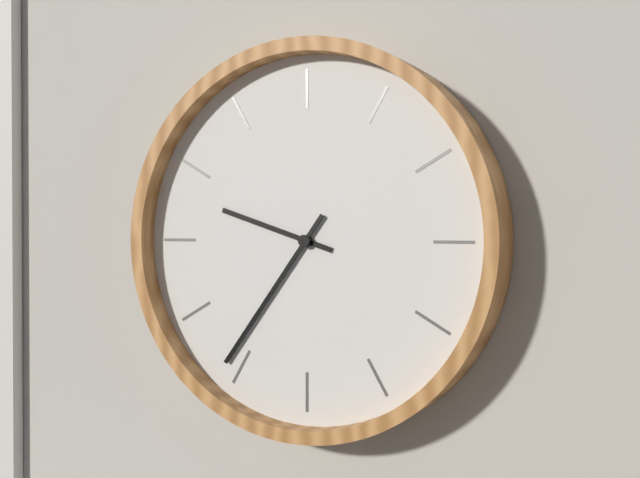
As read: 9h36
